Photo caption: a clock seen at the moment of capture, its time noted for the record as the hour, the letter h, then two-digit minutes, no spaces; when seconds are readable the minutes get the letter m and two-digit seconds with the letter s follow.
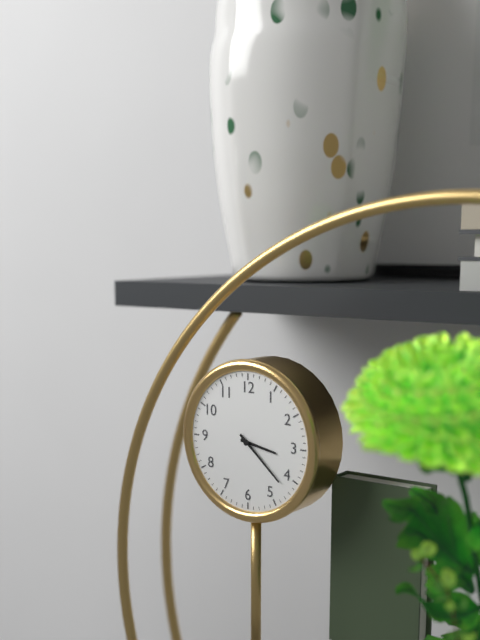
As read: 3h22
